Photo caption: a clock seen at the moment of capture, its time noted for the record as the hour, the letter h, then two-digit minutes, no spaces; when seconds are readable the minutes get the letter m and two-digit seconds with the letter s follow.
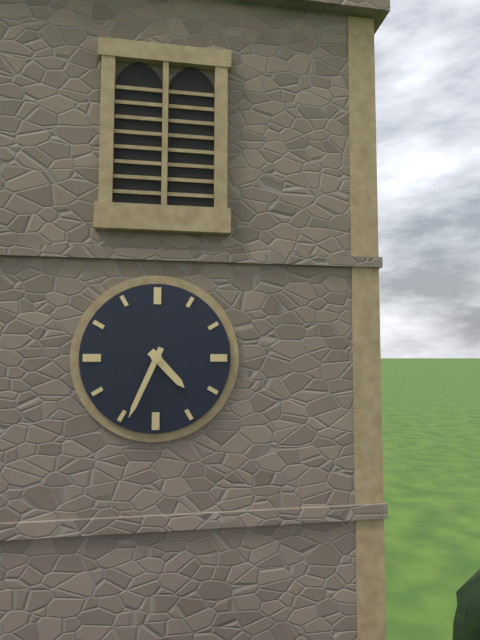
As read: 4h34
